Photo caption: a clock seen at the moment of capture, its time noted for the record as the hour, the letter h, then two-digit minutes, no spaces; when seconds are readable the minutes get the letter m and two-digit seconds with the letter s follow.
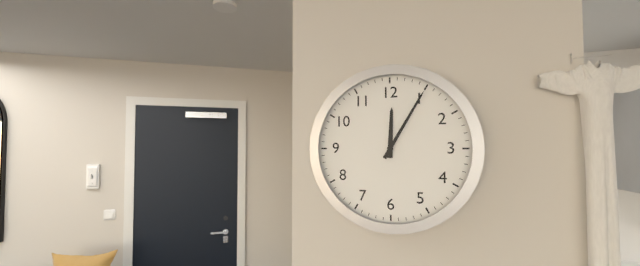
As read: 12h05
